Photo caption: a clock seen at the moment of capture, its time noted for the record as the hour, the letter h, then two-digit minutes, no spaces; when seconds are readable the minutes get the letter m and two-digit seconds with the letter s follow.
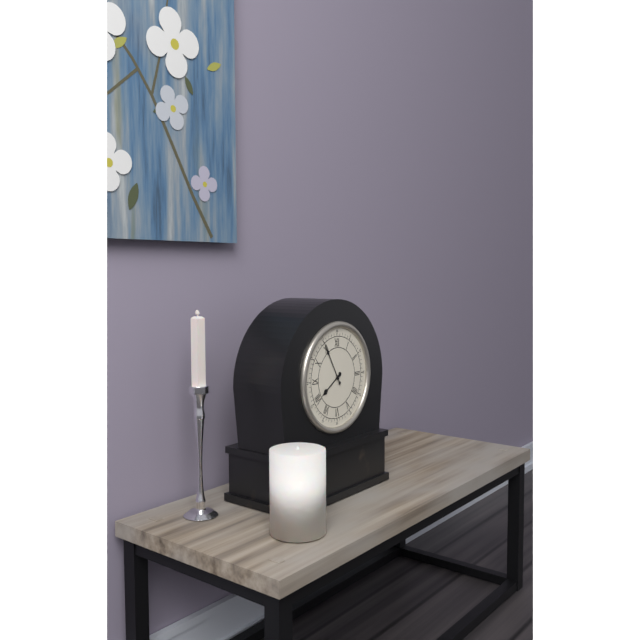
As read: 7h55
